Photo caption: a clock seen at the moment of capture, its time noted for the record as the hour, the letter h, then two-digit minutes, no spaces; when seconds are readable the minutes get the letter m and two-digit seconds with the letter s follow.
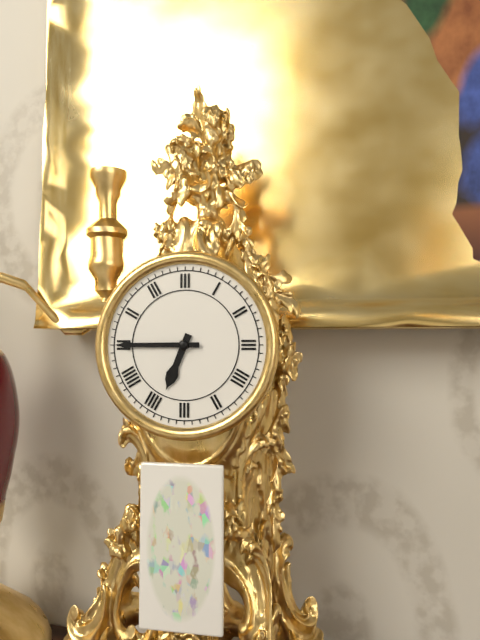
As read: 6h45
